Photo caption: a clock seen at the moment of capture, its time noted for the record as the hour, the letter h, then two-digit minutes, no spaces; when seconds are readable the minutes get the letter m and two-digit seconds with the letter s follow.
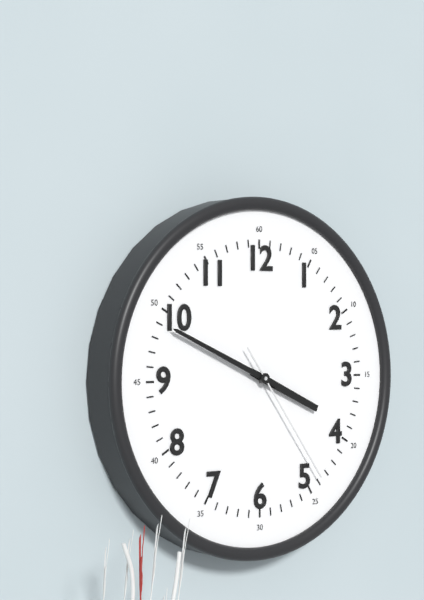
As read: 3h49m24s
